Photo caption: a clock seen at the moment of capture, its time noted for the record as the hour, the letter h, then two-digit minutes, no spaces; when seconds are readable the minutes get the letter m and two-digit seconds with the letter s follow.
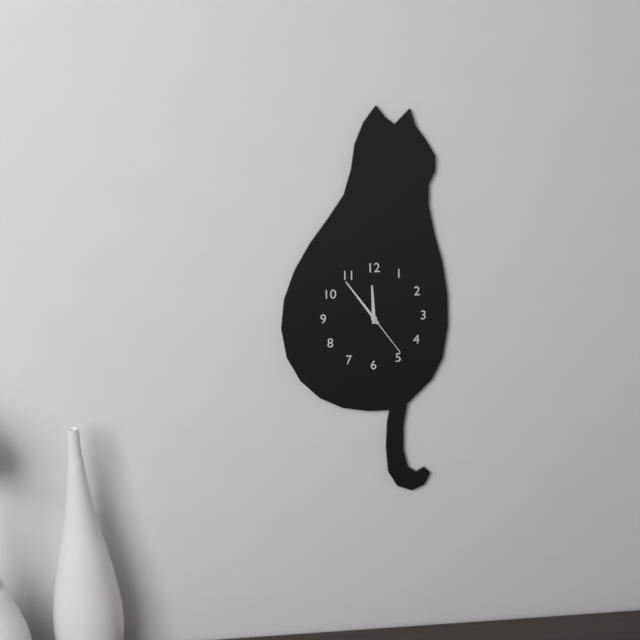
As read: 11h54m24s
